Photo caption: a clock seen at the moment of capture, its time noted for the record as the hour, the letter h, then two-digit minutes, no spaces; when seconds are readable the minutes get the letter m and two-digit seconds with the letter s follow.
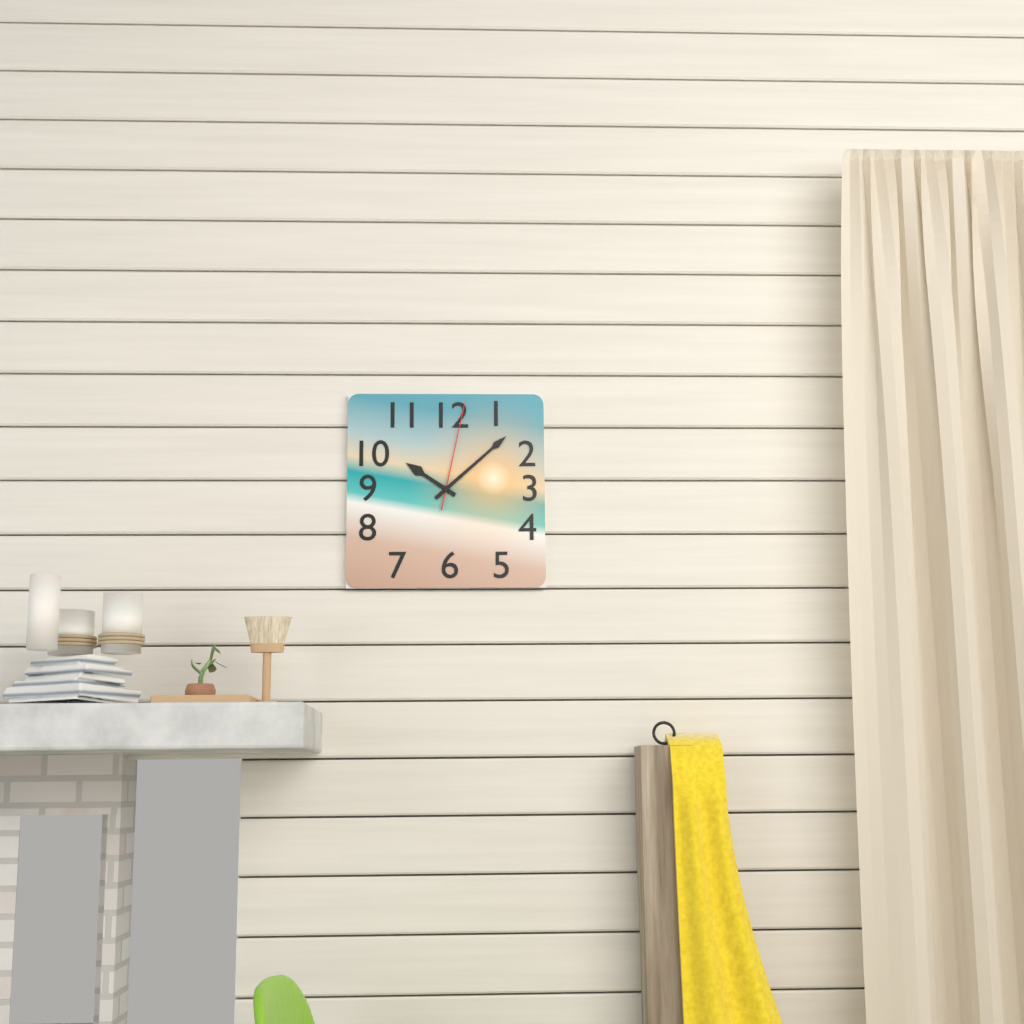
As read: 10h08m02s
